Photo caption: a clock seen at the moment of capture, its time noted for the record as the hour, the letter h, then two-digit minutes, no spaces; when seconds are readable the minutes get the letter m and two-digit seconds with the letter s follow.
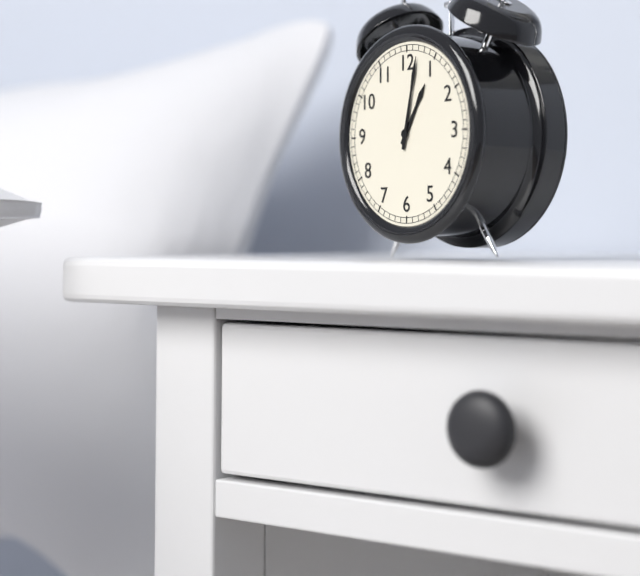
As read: 1h02
